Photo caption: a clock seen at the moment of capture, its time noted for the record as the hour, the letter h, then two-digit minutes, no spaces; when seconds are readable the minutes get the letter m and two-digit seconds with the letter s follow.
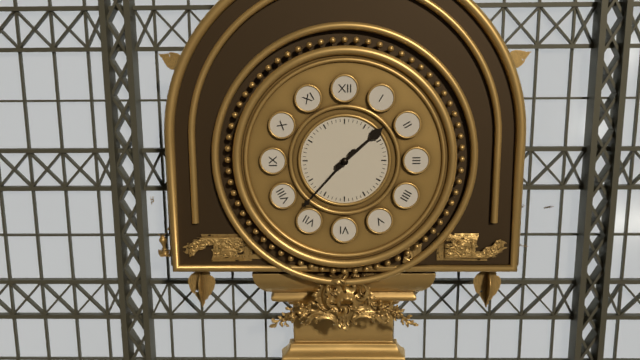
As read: 1h37
